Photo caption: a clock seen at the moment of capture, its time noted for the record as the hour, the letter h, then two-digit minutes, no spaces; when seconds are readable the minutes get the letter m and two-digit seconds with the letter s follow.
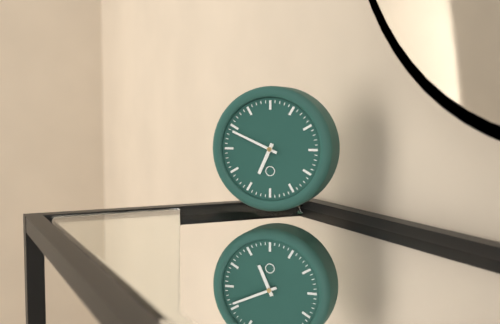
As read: 6h49
